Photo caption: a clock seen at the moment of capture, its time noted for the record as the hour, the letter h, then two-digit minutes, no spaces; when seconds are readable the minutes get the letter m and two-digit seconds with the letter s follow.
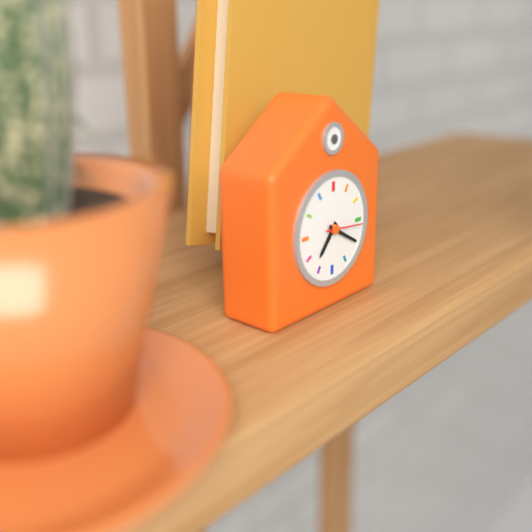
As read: 7h20m16s
